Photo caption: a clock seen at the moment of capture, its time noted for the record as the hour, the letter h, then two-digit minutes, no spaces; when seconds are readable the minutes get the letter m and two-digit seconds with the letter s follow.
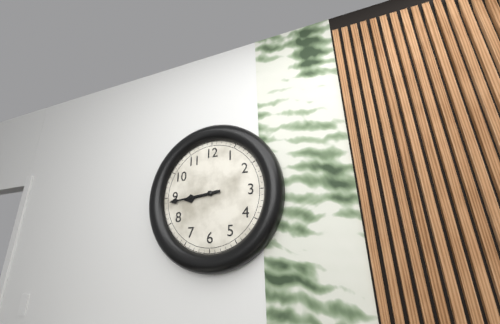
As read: 8h44
